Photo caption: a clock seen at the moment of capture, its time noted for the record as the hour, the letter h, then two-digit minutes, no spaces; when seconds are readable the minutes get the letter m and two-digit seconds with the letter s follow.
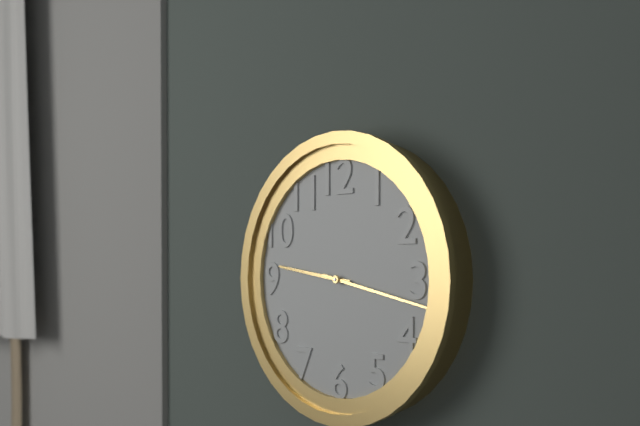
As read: 9h17
